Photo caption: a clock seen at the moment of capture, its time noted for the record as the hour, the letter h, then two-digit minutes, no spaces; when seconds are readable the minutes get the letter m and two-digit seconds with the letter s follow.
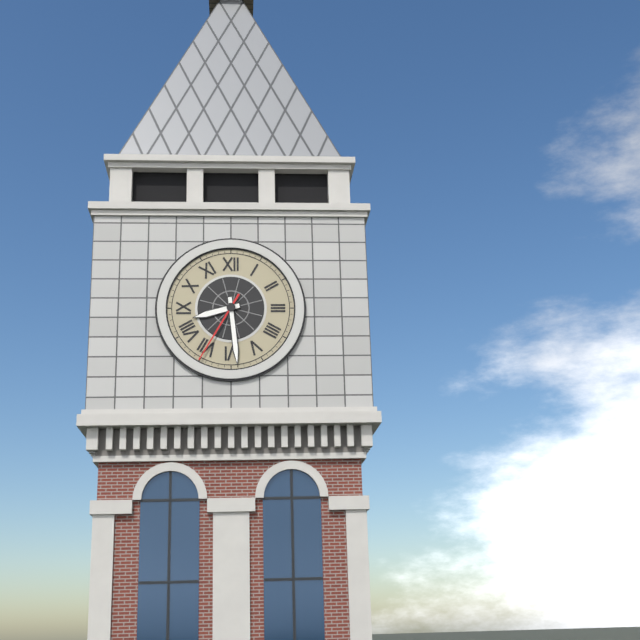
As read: 8h29m35s
